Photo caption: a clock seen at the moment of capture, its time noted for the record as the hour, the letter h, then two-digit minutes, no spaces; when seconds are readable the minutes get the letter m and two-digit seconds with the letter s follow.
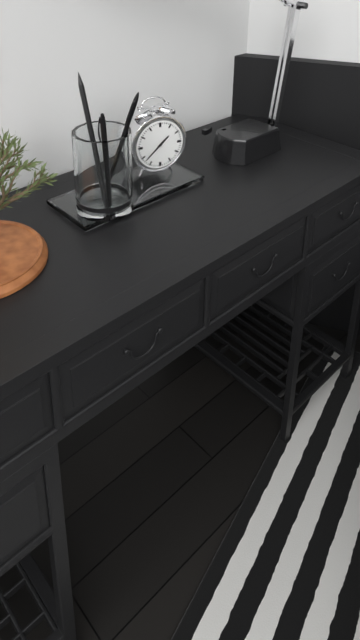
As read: 1h38
